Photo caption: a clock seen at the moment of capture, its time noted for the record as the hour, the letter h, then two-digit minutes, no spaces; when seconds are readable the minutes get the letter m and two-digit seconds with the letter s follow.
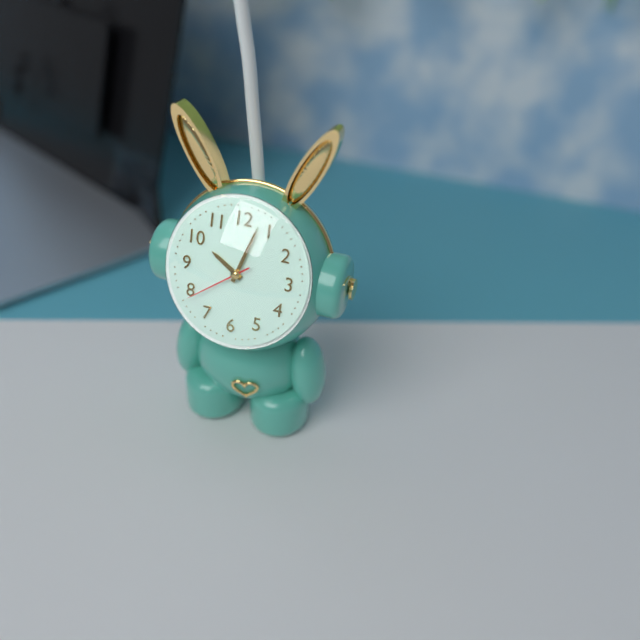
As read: 10h03m39s
